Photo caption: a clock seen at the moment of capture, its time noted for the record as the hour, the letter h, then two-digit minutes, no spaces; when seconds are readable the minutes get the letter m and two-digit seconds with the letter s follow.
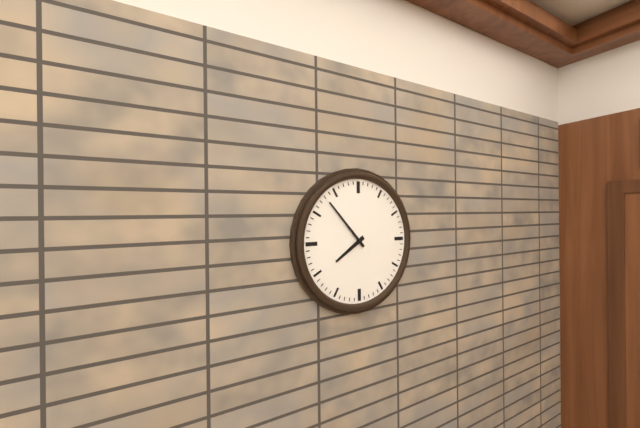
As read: 7h53
